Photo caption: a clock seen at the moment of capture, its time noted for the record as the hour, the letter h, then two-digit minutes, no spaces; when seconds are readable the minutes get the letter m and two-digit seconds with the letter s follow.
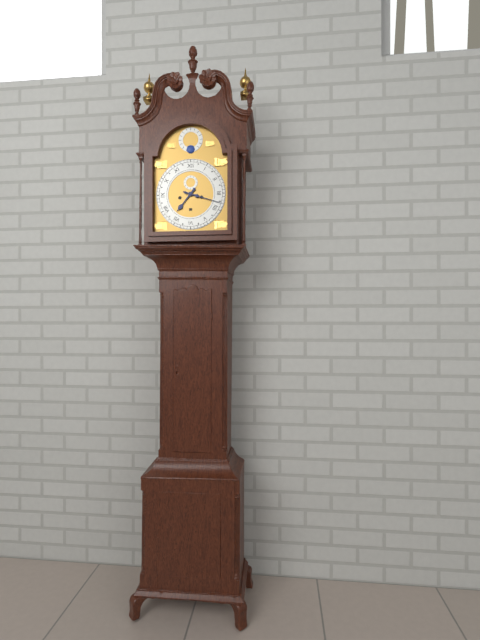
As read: 7h18
